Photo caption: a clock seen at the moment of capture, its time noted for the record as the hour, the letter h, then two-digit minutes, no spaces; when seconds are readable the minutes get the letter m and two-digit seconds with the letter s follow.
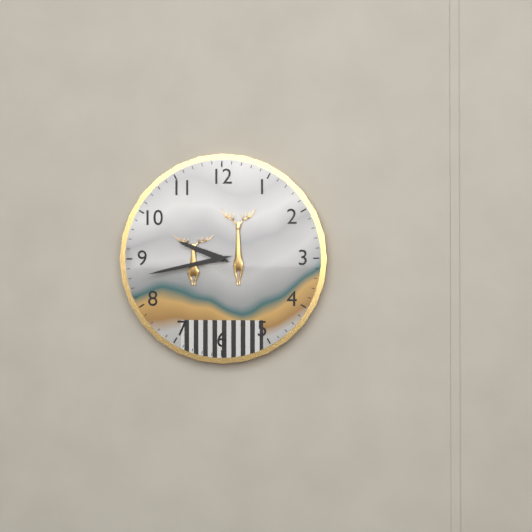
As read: 9h43
